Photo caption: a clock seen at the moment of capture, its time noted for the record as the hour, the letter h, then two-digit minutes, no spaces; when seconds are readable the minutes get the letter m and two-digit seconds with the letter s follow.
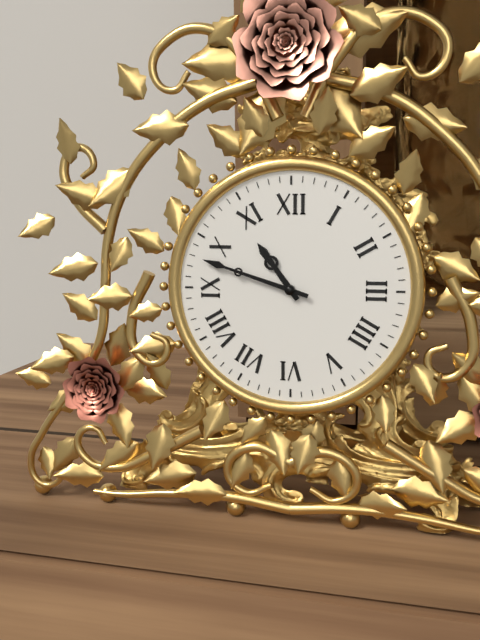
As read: 10h48
